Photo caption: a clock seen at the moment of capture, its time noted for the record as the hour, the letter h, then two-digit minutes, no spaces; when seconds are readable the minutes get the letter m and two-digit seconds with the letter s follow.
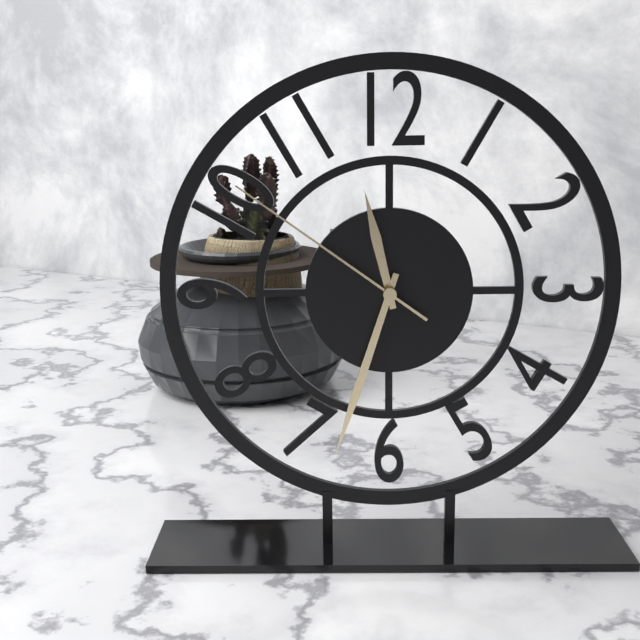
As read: 11h33m51s
